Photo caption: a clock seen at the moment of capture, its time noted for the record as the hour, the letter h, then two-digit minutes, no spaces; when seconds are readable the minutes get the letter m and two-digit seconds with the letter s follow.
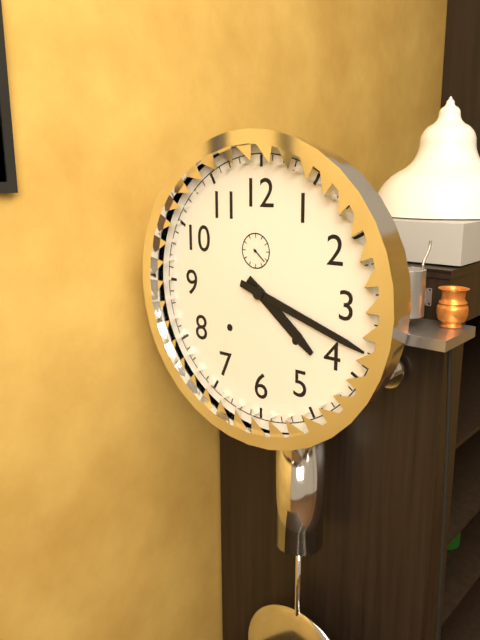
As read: 4h18
